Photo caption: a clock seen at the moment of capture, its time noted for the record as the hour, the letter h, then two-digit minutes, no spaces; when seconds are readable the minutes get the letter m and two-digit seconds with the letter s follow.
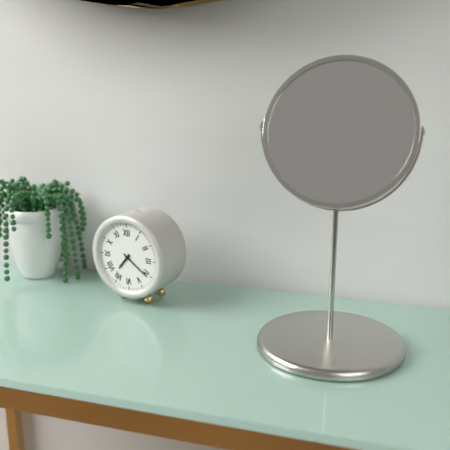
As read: 7h21
